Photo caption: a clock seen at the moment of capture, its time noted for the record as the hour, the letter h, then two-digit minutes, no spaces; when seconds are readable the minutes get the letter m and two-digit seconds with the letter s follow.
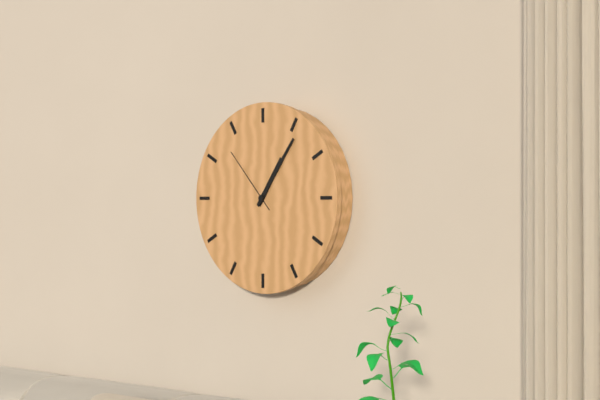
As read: 1h06m53s
